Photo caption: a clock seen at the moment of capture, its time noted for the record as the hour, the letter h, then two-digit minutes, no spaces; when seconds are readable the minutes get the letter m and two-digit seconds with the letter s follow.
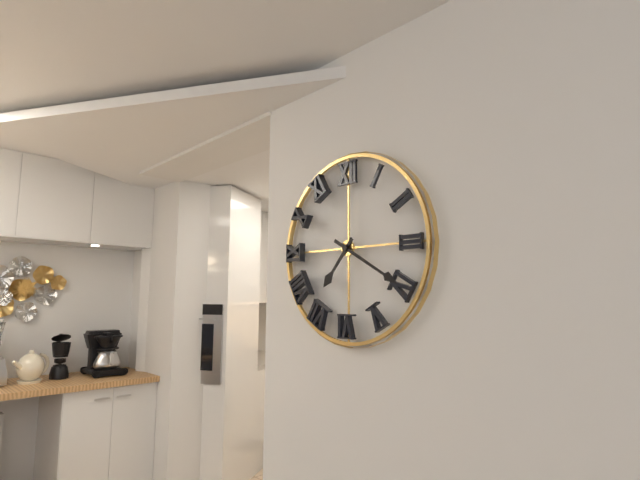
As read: 7h20
